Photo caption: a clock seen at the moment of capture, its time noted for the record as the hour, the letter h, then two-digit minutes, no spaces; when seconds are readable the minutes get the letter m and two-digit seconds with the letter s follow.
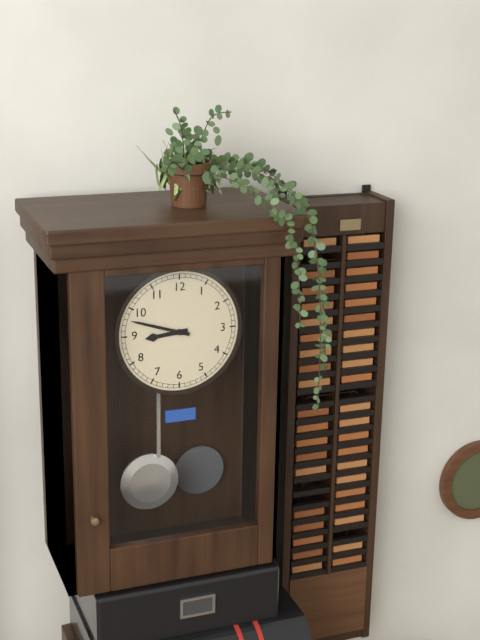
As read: 8h48
